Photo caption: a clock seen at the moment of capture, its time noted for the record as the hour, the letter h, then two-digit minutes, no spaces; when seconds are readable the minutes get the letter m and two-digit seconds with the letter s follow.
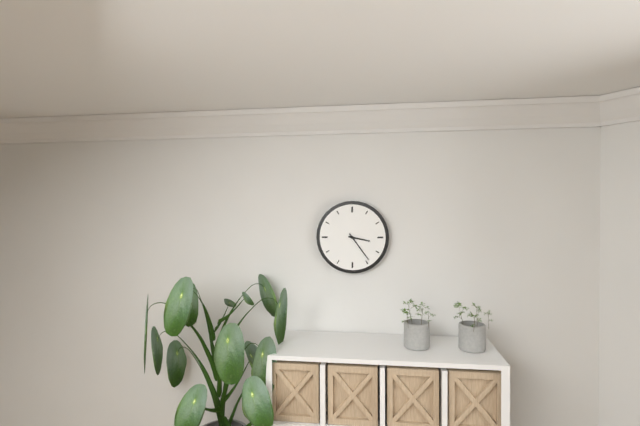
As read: 3h24
